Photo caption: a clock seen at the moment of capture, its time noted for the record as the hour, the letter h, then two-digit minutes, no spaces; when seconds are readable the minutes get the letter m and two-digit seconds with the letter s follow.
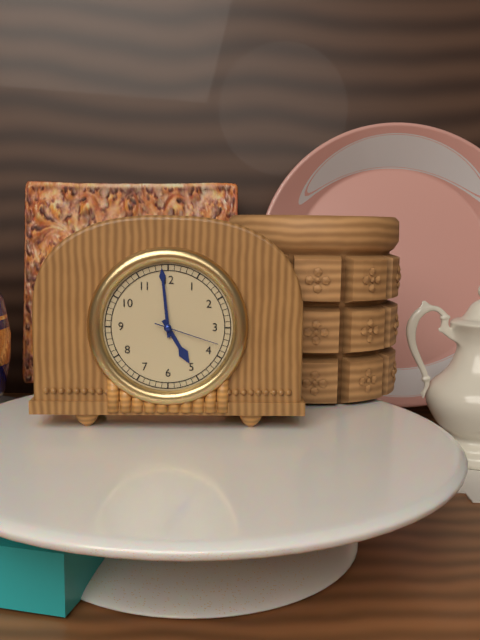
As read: 4h59m18s
